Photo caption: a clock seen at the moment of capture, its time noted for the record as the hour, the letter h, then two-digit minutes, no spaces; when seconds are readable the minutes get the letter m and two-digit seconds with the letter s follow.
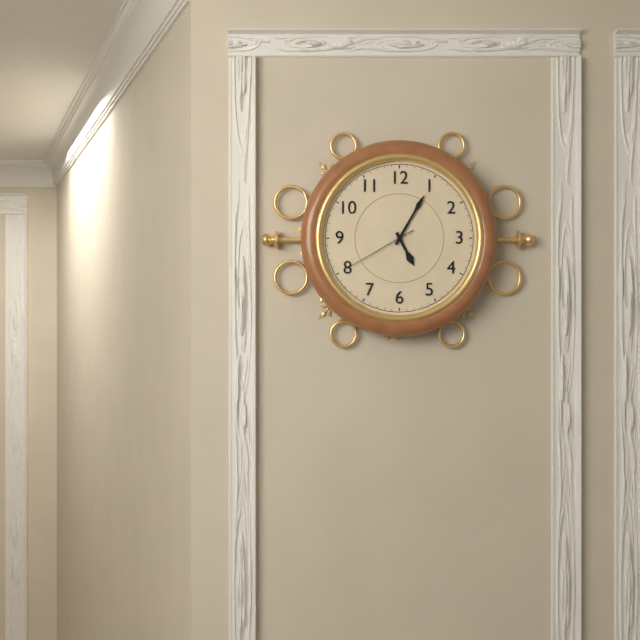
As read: 5h05m40s
